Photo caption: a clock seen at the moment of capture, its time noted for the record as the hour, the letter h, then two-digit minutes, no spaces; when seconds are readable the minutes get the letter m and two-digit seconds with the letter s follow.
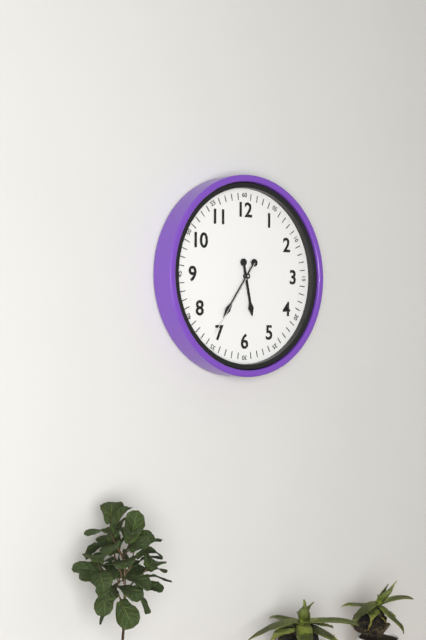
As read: 5h36m36s
